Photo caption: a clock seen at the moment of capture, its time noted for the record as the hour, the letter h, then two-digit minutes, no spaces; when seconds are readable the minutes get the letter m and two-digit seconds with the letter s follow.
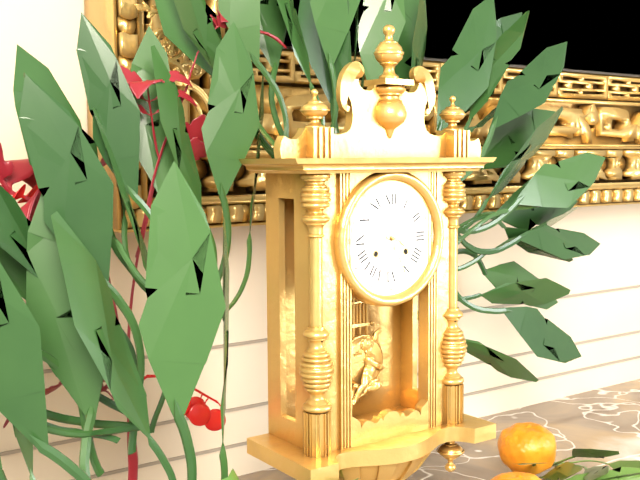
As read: 3h26
